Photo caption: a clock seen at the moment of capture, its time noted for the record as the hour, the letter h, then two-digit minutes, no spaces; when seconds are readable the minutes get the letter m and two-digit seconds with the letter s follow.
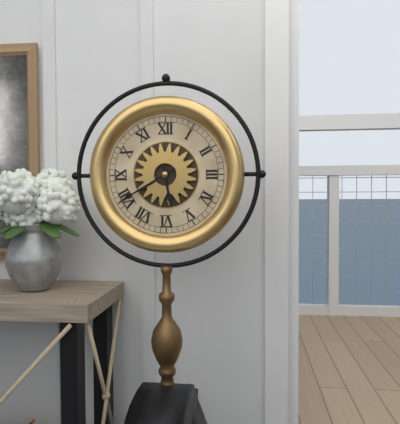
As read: 5h40
